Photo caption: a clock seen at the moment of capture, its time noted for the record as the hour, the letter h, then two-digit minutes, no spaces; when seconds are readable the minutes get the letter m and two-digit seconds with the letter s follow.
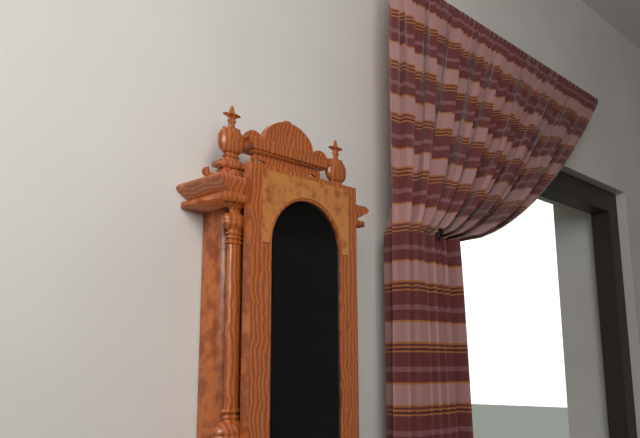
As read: 3h35
